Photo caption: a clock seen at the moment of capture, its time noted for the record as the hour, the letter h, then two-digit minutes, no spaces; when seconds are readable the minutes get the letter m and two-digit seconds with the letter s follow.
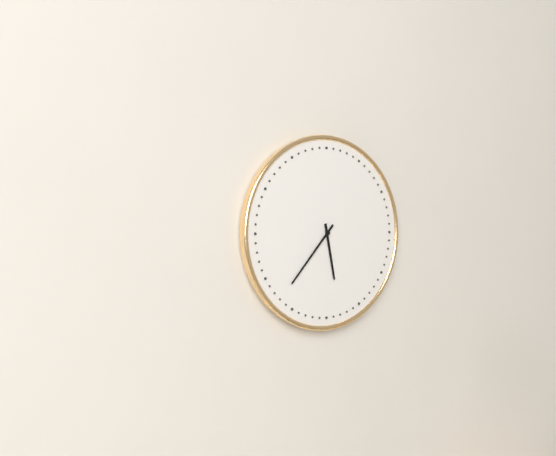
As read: 5h37
